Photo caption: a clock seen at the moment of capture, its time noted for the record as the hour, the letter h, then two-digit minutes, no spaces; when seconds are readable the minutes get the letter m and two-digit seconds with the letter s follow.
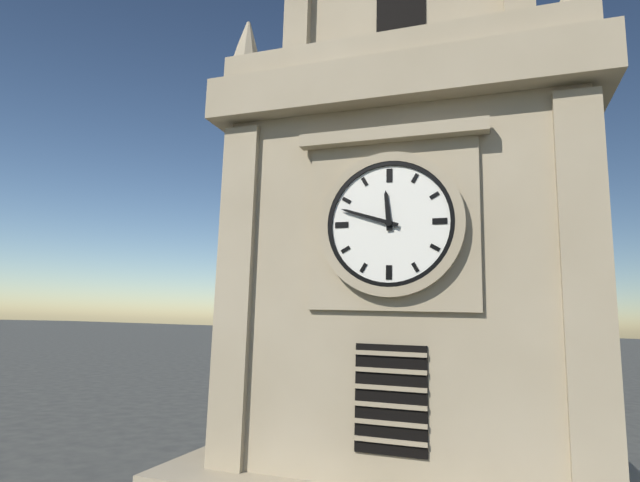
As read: 11h48
